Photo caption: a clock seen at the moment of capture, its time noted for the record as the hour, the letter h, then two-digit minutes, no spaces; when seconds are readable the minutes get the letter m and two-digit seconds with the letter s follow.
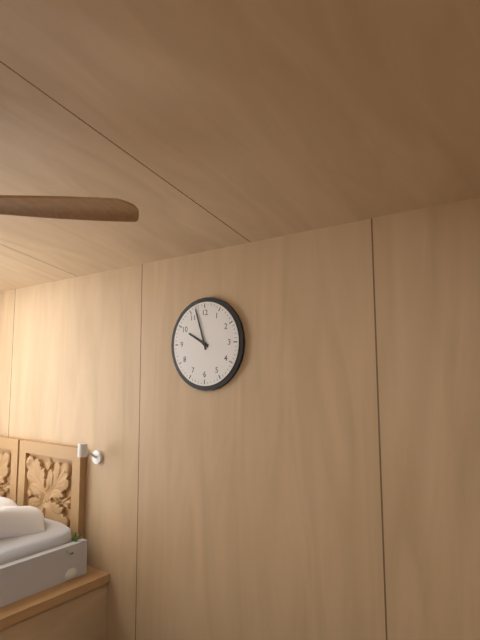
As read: 9h57
